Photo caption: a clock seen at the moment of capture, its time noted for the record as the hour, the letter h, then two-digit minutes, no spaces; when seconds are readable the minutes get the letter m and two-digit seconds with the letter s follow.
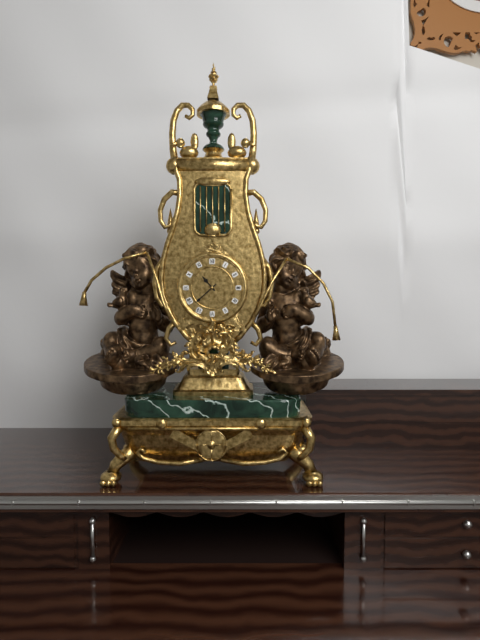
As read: 10h38
